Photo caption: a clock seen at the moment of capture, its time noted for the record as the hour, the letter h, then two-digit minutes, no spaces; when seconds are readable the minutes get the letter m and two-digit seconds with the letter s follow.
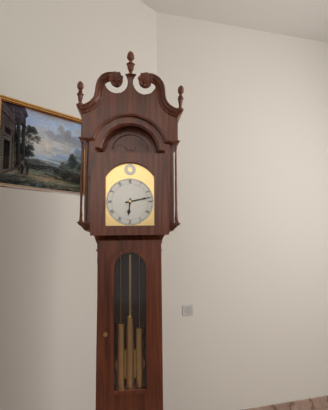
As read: 6h13
